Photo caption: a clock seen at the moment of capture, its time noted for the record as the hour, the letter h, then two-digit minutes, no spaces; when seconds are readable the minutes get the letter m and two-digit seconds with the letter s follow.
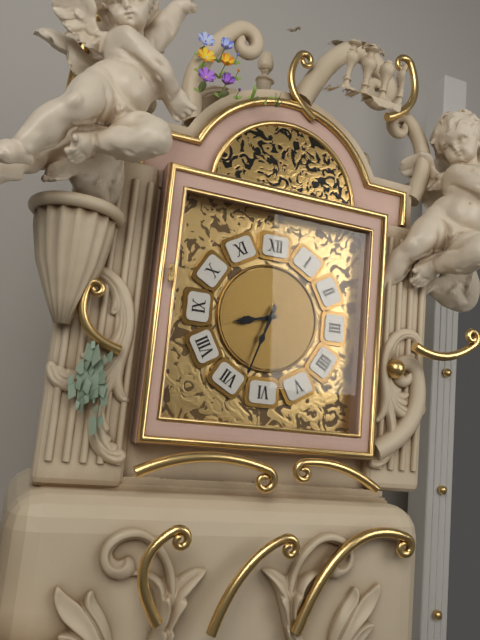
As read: 8h33
